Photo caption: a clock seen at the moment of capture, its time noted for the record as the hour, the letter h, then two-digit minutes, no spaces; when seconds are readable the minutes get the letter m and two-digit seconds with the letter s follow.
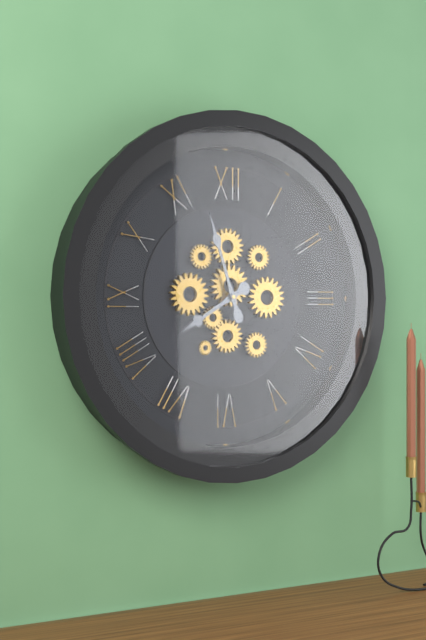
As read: 7h57
